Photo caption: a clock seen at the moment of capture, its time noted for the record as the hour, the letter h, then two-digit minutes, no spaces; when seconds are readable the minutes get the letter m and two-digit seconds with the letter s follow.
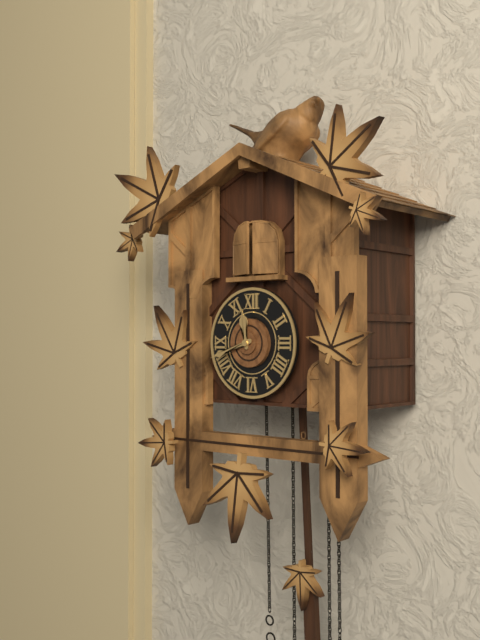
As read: 11h42
